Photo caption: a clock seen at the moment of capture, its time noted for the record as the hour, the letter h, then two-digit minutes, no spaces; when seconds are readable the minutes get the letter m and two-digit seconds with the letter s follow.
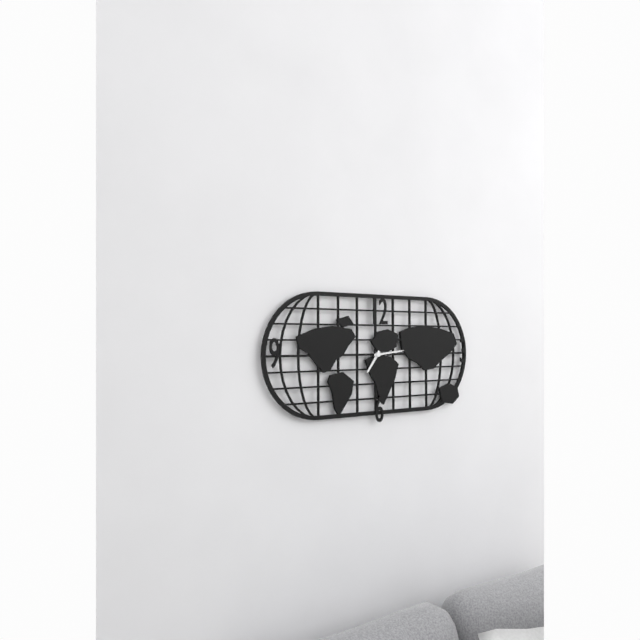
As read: 7h14
